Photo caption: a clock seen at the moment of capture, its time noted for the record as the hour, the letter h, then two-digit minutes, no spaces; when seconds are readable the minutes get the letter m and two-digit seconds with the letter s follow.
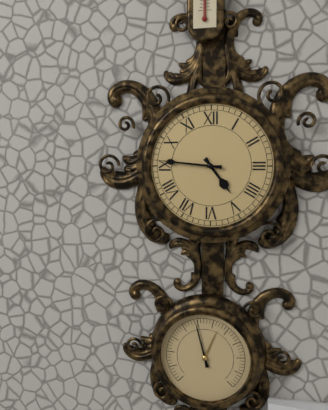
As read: 4h46
